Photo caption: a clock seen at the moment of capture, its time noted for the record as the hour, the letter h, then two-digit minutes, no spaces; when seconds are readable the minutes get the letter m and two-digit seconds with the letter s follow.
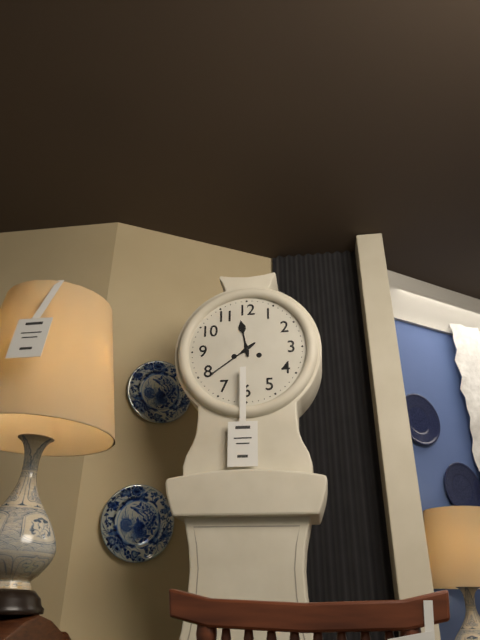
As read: 11h39
